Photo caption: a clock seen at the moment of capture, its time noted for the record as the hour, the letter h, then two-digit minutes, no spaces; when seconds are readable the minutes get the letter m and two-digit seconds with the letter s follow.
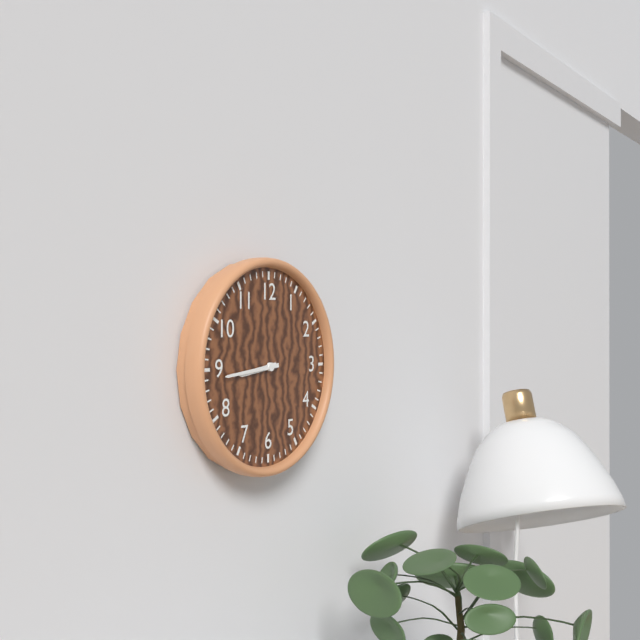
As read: 8h44
